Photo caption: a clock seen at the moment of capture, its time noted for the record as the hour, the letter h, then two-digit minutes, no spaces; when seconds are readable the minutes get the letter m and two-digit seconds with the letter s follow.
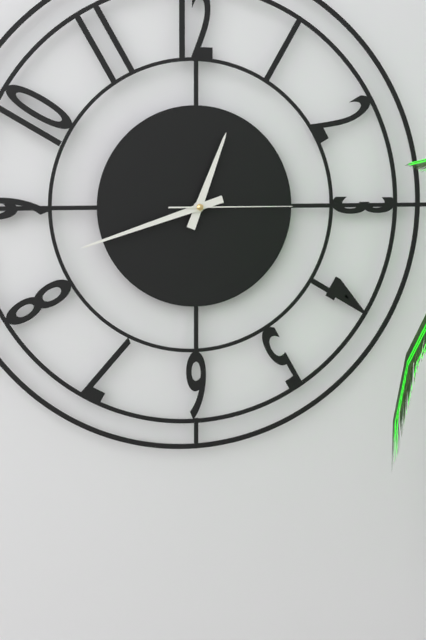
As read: 12h42m15s
